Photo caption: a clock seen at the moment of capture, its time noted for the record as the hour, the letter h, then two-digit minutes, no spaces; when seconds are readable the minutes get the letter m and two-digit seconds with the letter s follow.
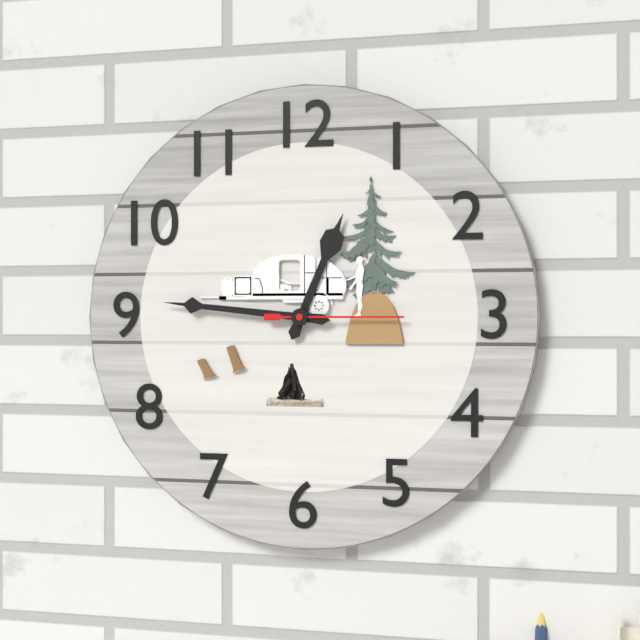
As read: 12h46m15s
